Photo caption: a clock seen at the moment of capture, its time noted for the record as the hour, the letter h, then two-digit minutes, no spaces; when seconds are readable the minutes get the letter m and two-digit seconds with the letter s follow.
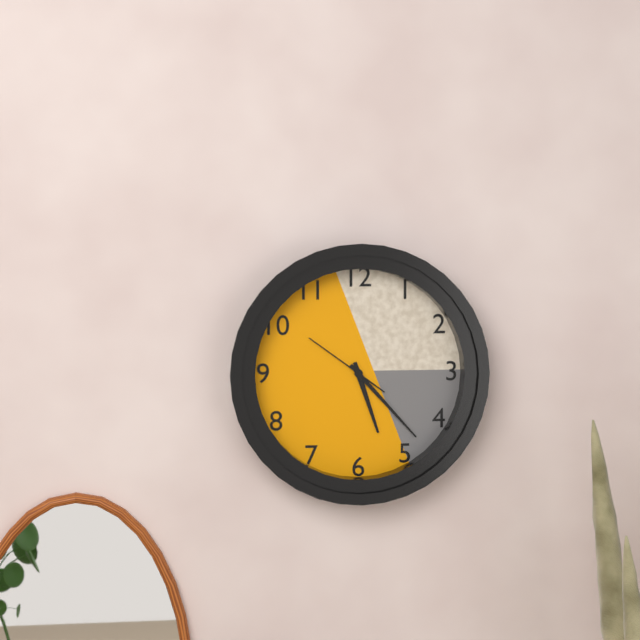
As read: 5h23m51s
